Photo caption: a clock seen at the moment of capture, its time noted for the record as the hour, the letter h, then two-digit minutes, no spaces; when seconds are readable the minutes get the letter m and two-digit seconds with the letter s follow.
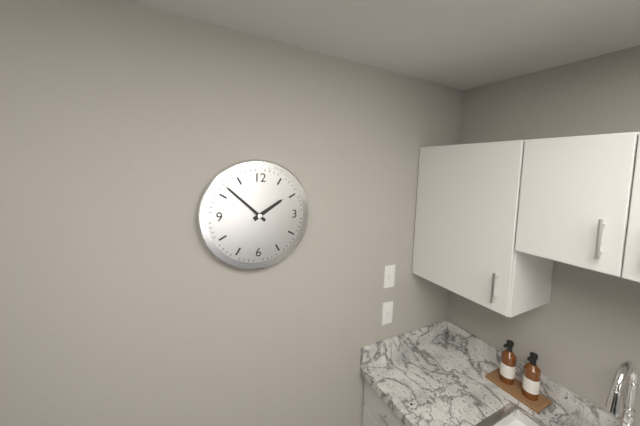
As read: 1h52
